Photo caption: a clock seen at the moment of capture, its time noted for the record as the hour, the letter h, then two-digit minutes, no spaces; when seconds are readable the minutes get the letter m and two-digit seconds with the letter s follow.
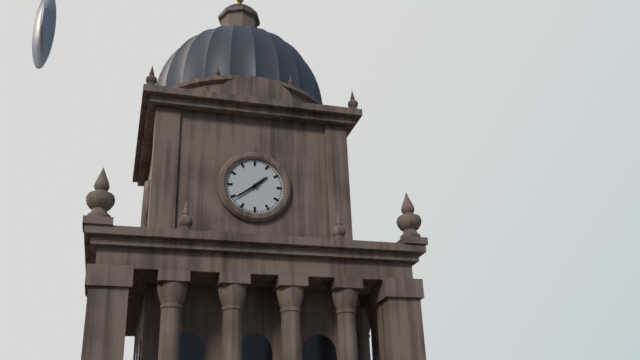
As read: 1h39
